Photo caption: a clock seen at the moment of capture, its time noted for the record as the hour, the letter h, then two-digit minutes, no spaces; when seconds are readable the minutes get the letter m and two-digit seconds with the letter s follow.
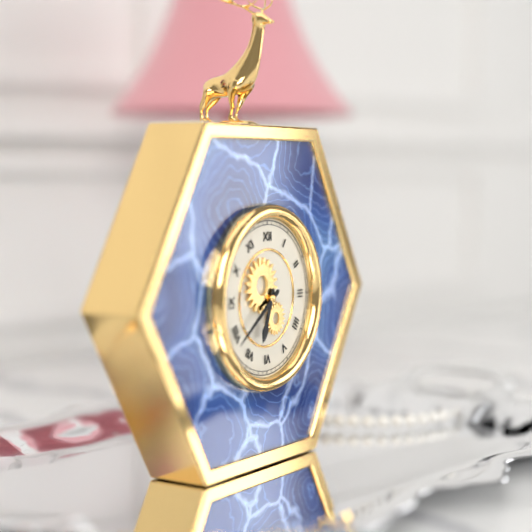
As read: 6h39
